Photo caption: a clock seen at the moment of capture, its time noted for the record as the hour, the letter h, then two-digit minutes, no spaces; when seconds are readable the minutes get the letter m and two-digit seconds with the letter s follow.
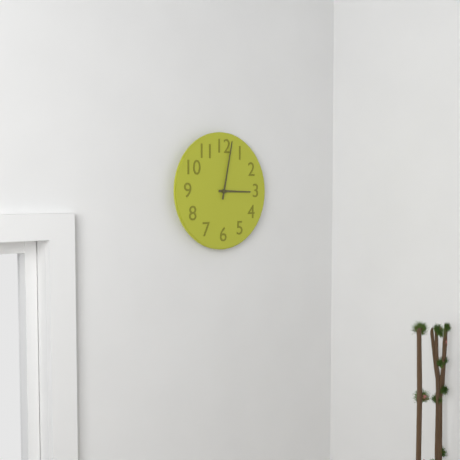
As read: 3h02
